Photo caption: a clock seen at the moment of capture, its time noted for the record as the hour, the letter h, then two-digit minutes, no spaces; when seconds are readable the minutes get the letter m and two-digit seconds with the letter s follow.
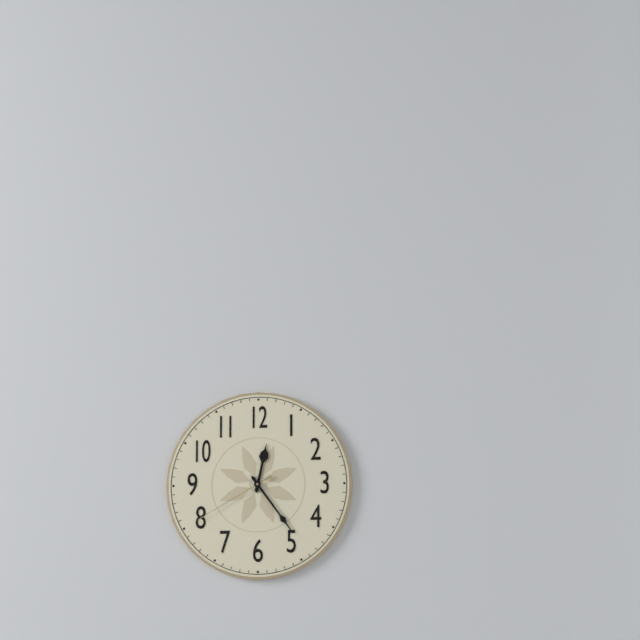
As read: 12h24m40s
